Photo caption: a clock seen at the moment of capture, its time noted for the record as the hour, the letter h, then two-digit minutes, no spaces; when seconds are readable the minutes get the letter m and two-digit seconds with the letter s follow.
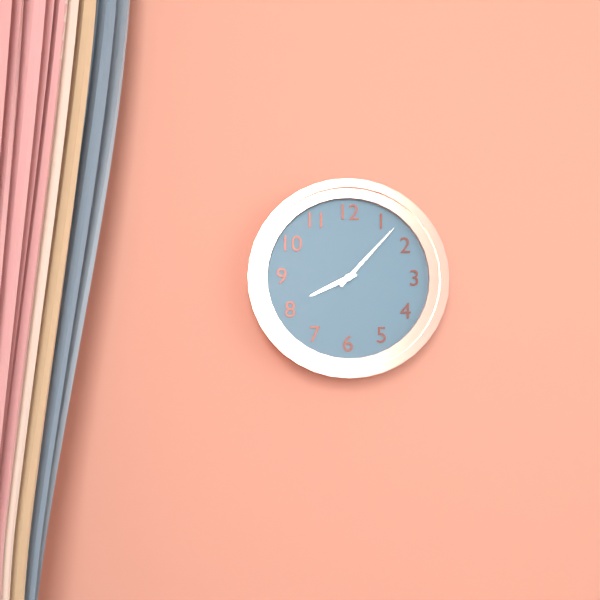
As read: 8h07
